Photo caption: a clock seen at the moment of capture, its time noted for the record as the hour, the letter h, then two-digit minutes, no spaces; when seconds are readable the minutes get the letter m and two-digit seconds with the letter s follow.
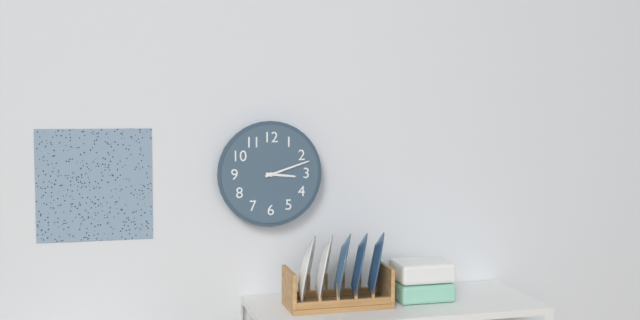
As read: 3h12
